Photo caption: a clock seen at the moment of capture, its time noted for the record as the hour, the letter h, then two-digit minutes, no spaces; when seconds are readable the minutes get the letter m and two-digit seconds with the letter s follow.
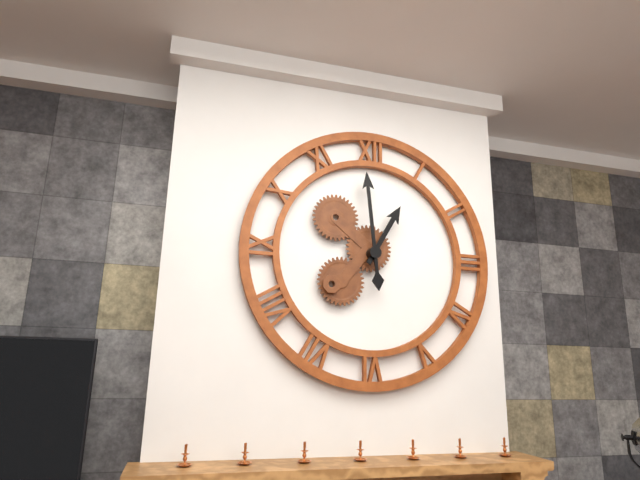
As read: 12h59
